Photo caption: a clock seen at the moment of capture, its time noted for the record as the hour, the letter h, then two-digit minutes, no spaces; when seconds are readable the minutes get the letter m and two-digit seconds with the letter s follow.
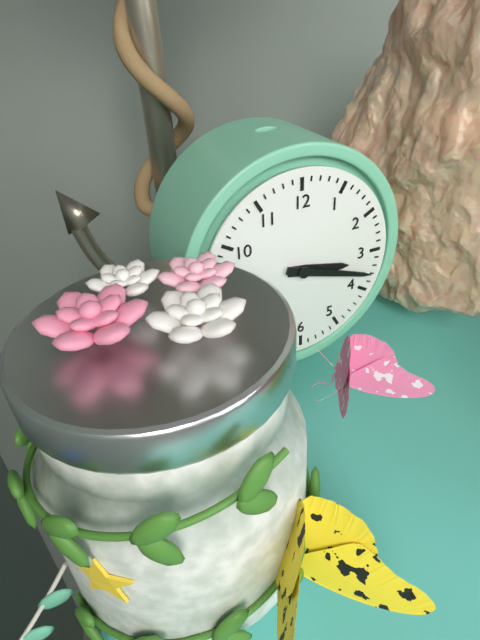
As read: 3h18
